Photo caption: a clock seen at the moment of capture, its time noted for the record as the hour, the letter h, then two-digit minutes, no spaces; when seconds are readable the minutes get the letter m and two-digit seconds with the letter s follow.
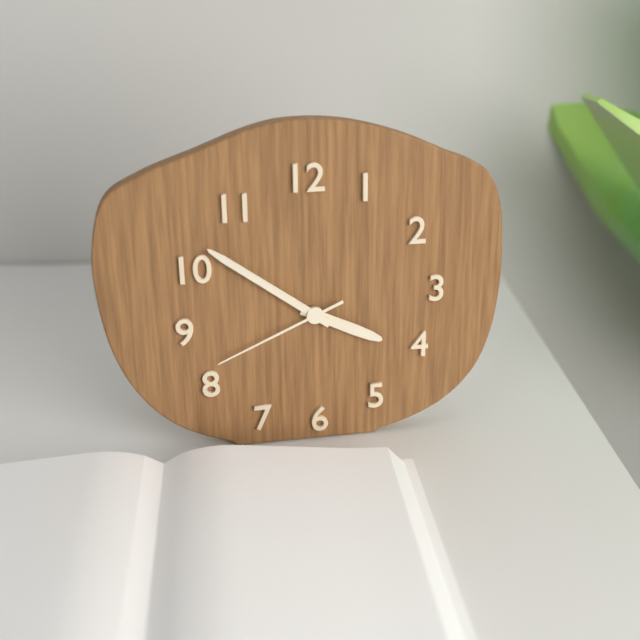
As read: 3h51m41s
